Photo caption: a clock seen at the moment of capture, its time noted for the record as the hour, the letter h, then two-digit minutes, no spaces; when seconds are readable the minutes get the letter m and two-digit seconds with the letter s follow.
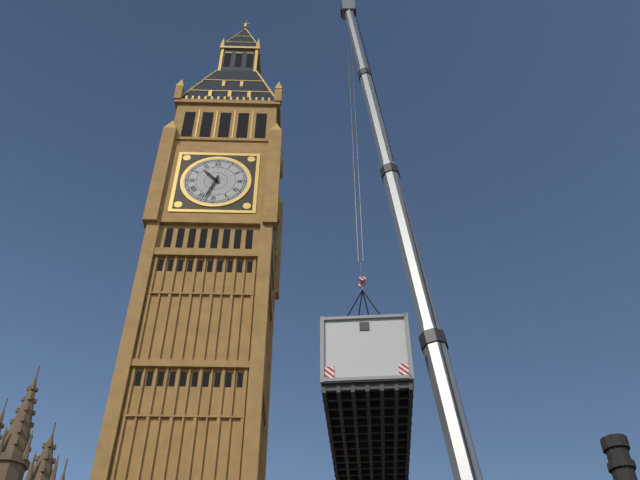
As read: 10h33
